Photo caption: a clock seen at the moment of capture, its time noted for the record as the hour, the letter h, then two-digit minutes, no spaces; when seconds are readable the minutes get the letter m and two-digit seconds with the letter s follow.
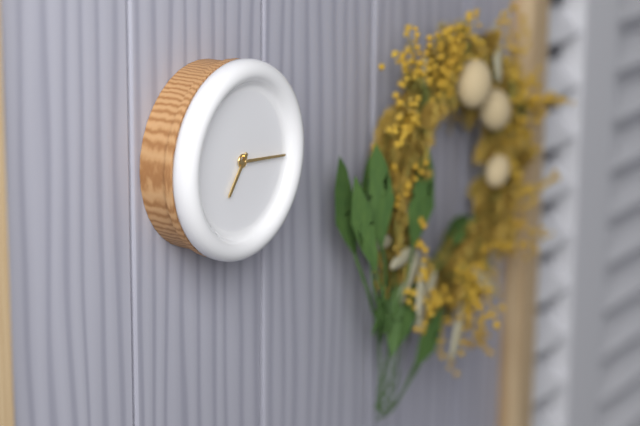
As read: 7h16
